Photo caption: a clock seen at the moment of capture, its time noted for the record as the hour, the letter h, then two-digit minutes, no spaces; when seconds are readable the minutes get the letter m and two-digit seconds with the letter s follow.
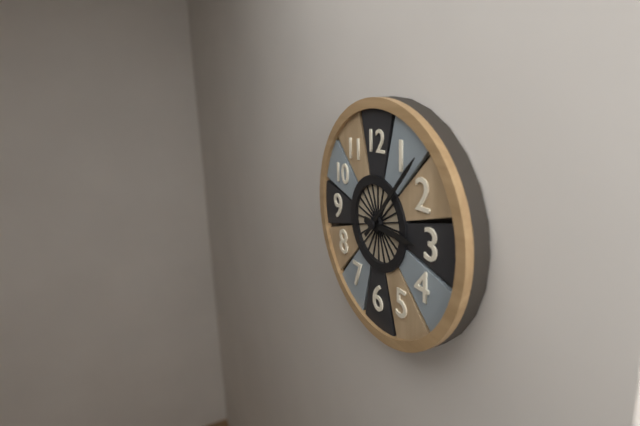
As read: 3h07
